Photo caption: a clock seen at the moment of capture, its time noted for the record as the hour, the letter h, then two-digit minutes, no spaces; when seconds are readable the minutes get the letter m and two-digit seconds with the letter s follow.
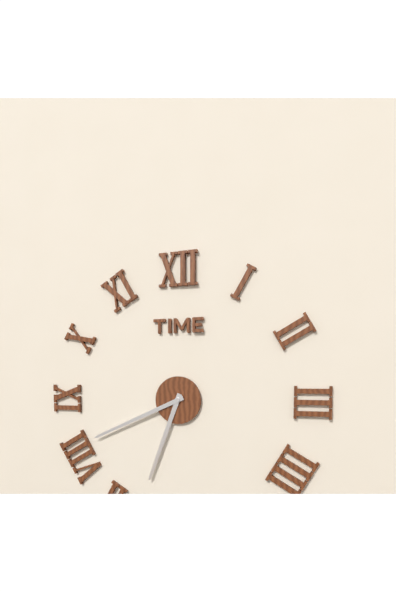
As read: 6h41
